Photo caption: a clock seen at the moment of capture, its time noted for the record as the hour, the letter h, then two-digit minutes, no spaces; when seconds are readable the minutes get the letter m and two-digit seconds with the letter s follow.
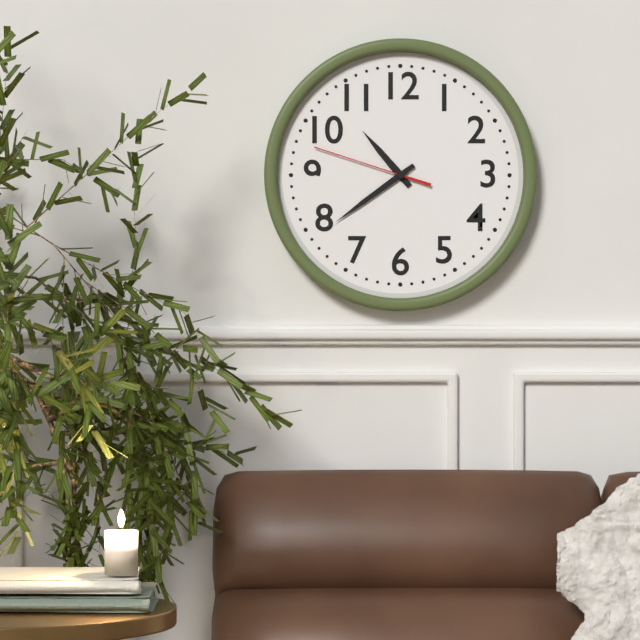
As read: 10h39m48s
